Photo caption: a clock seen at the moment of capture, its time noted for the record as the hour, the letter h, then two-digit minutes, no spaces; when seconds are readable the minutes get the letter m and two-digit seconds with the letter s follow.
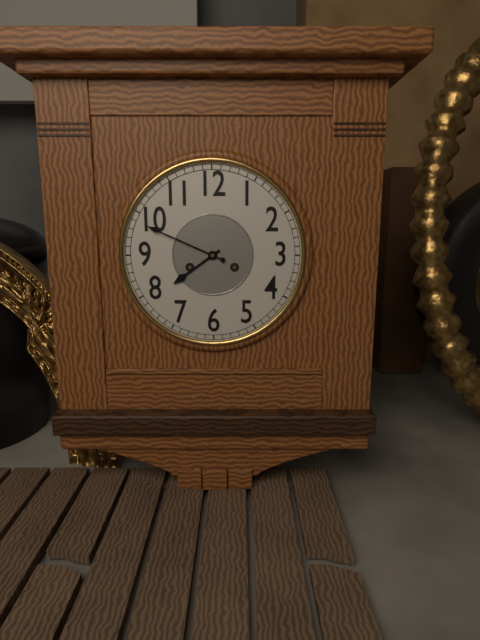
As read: 7h49
